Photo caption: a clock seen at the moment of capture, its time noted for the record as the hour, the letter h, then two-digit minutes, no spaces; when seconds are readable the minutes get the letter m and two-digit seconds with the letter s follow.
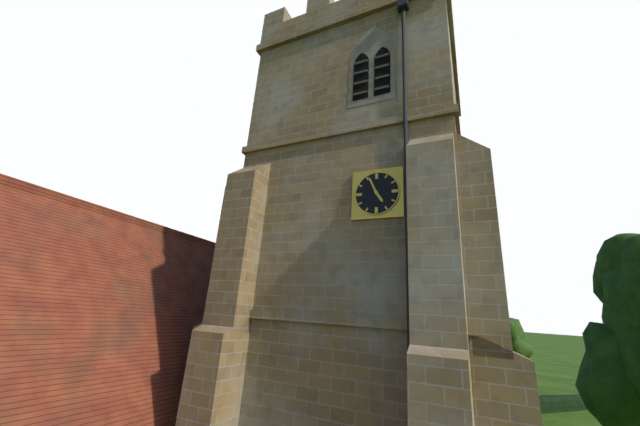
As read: 4h56
